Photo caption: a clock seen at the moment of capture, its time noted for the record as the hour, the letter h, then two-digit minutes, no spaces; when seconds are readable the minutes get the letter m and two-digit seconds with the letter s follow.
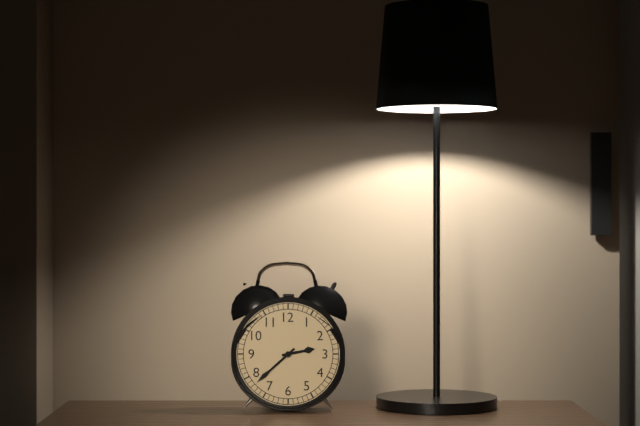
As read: 2h38
